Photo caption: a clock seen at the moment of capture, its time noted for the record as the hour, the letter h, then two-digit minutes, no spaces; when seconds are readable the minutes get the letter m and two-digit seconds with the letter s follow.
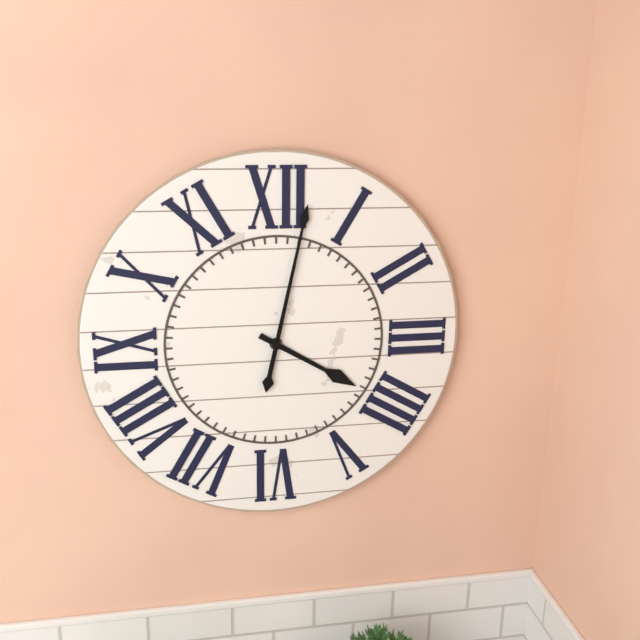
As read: 4h02
